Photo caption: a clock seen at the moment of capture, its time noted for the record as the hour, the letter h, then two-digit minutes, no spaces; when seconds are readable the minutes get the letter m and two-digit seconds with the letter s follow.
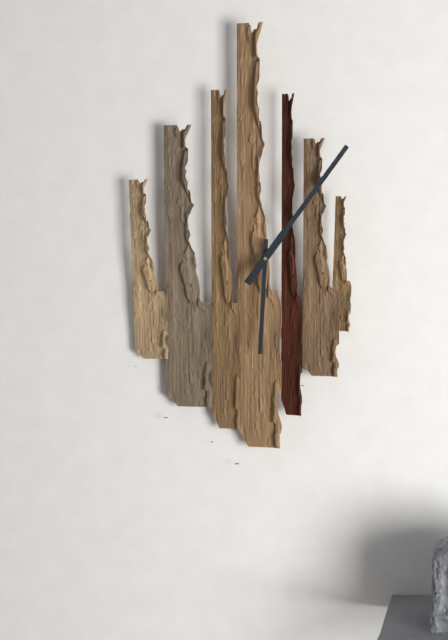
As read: 6h06
